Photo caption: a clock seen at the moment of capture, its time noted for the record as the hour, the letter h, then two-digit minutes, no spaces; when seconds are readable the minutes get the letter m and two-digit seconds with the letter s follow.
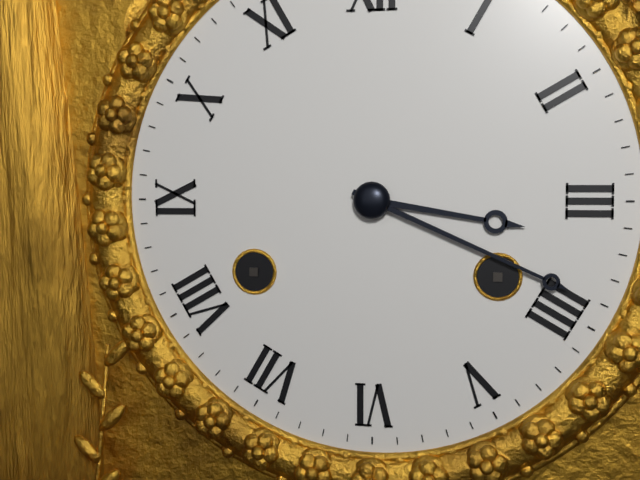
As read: 3h19
